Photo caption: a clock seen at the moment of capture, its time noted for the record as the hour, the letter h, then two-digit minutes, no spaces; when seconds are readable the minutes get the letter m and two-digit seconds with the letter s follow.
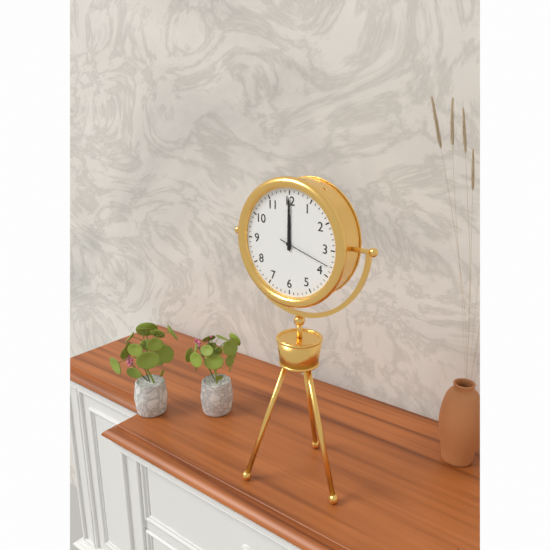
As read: 12h00m18s
